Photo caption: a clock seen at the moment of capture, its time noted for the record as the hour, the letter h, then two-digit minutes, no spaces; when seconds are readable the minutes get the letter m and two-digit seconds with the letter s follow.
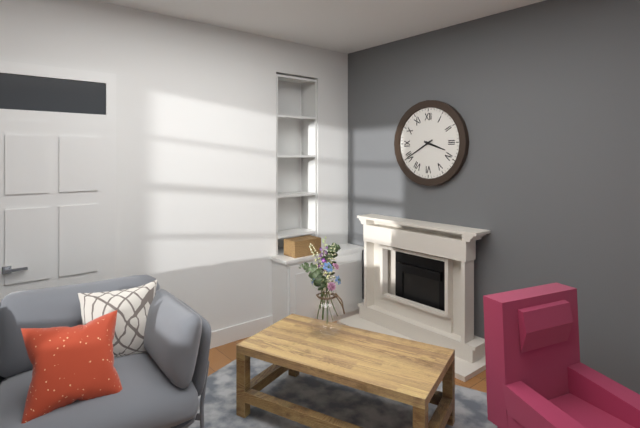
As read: 3h40
